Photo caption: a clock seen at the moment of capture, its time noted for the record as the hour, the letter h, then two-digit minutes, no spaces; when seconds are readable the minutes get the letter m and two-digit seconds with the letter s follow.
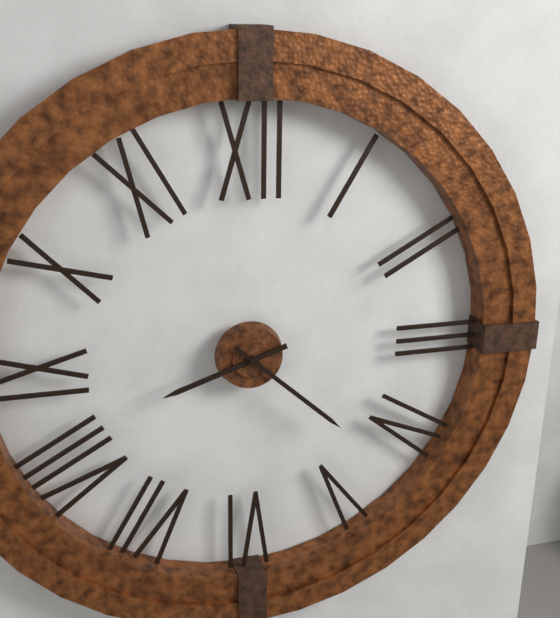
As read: 8h22
